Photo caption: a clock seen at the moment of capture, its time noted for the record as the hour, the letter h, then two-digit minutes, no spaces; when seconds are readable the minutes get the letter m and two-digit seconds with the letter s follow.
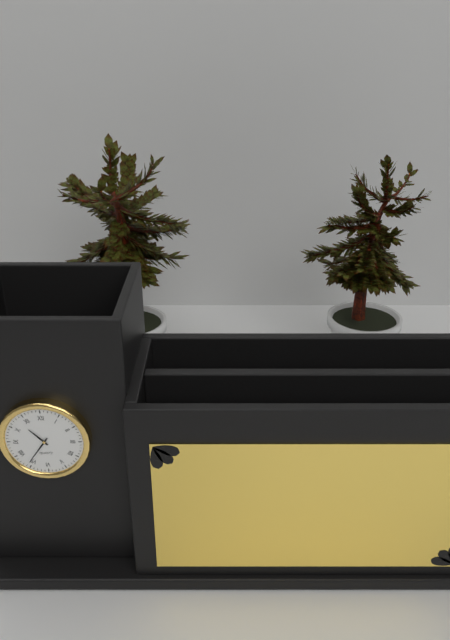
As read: 10h36
